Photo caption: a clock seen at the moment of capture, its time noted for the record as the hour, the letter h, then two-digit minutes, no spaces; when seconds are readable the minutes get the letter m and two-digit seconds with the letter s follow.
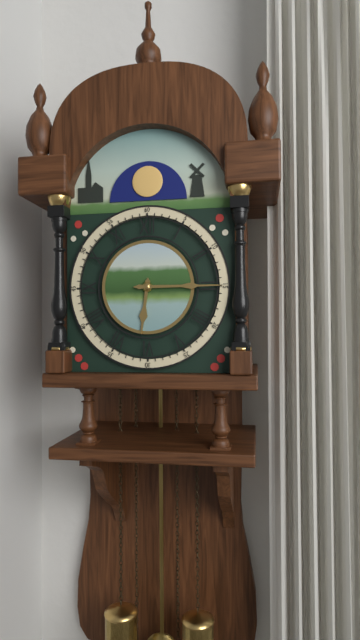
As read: 6h15
